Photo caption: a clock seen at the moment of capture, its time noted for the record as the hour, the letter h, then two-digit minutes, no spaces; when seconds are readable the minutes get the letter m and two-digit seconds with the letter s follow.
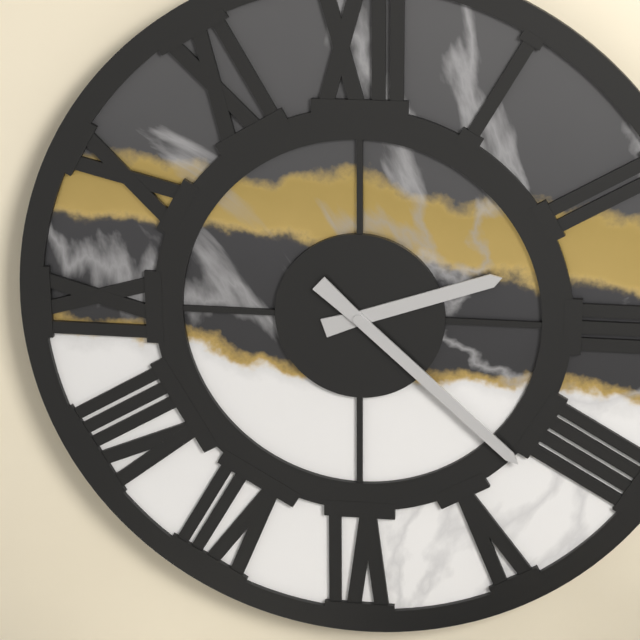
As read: 2h22
